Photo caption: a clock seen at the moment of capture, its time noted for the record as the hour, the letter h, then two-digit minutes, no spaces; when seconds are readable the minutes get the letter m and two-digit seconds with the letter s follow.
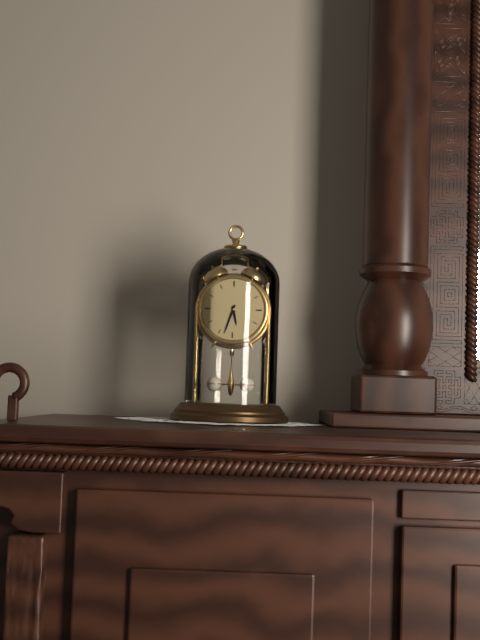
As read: 5h33
